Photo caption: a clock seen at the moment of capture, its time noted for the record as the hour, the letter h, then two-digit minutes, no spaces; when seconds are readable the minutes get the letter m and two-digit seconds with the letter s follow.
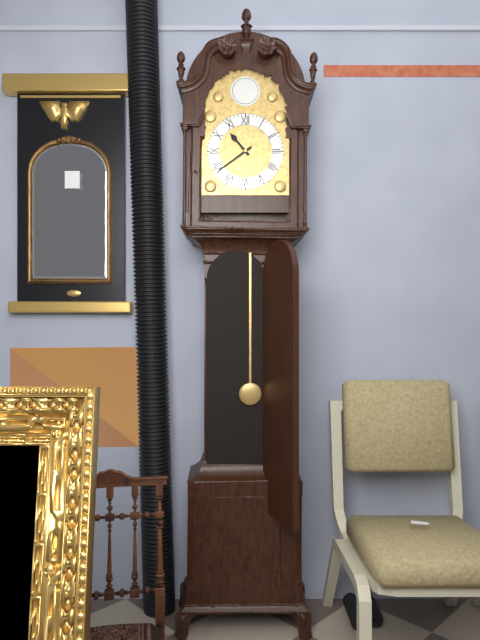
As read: 10h39
